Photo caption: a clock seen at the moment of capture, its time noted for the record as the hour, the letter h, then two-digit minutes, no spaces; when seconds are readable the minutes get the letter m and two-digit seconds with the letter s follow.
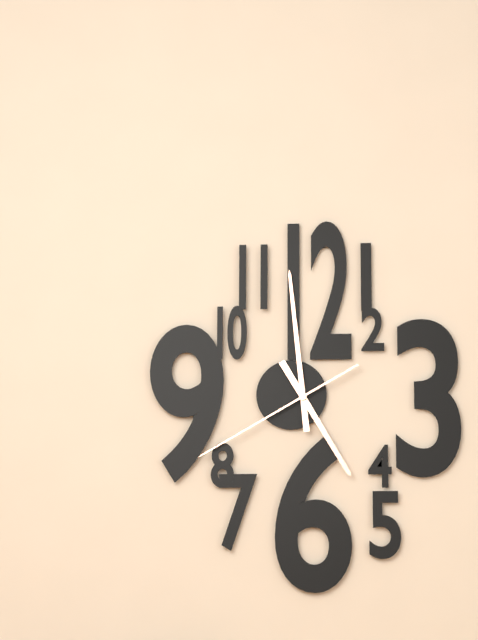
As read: 4h59m40s
